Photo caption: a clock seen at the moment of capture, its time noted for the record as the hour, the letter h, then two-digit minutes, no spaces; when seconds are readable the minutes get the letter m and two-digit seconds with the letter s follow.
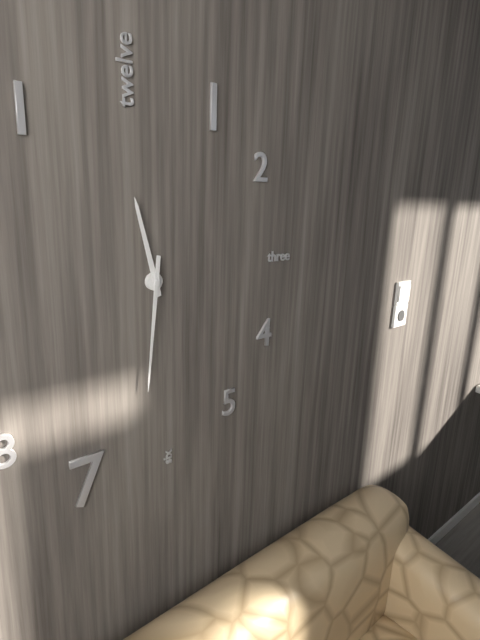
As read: 11h31
